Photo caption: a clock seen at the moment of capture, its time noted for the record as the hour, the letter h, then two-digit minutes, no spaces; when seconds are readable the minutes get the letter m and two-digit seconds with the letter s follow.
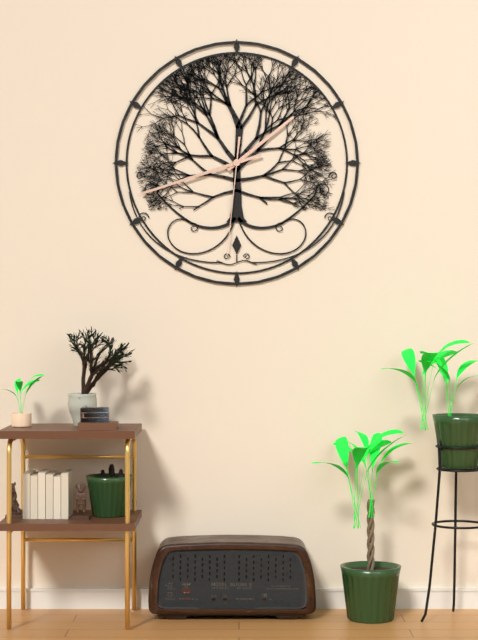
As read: 1h42m31s
